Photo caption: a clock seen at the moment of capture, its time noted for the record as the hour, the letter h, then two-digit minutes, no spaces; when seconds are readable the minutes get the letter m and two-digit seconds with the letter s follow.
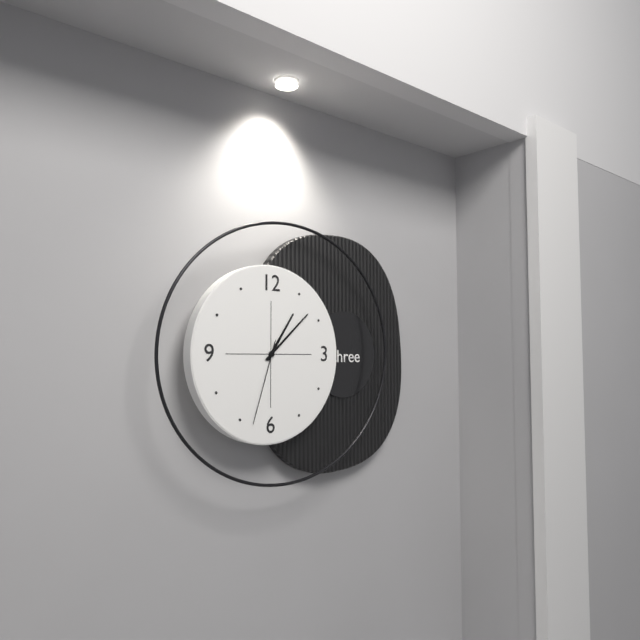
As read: 1h08m33s
